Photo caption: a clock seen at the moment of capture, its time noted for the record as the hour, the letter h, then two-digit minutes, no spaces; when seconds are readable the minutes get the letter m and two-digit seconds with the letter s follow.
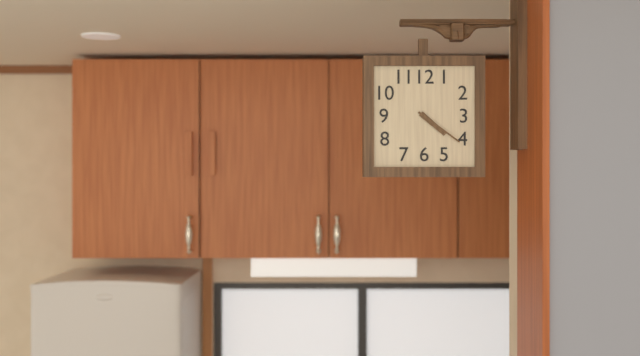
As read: 4h21
